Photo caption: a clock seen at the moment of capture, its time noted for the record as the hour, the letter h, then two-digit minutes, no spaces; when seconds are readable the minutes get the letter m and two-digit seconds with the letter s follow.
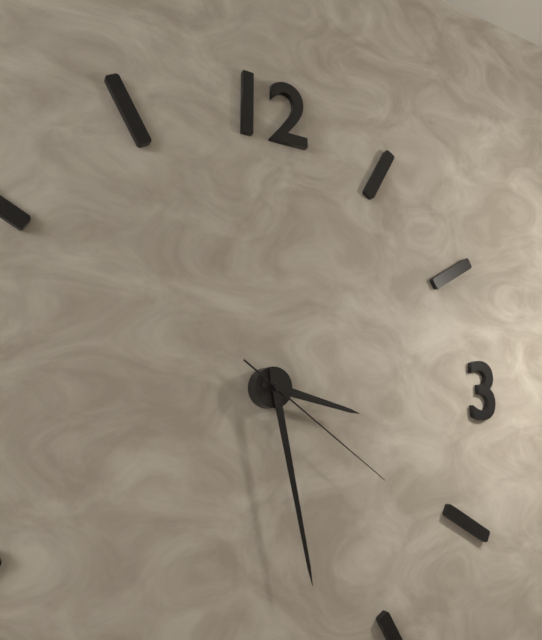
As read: 3h28m21s
